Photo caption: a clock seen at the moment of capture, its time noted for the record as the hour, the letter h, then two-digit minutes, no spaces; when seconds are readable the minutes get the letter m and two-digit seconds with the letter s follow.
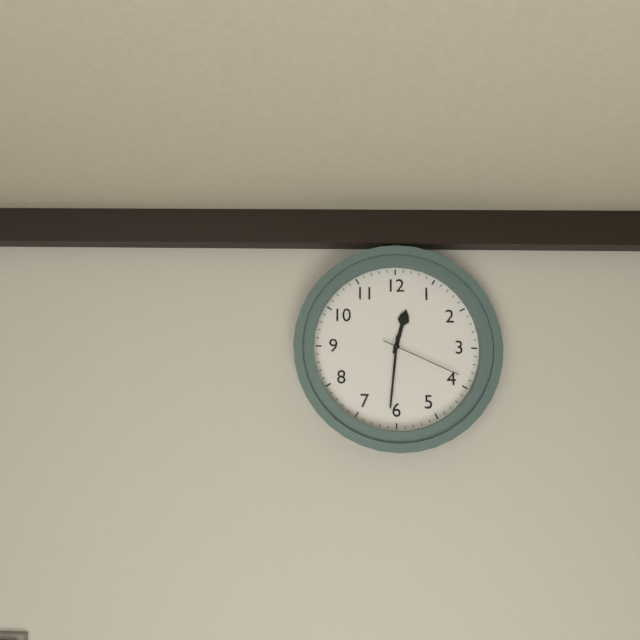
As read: 12h31m19s
